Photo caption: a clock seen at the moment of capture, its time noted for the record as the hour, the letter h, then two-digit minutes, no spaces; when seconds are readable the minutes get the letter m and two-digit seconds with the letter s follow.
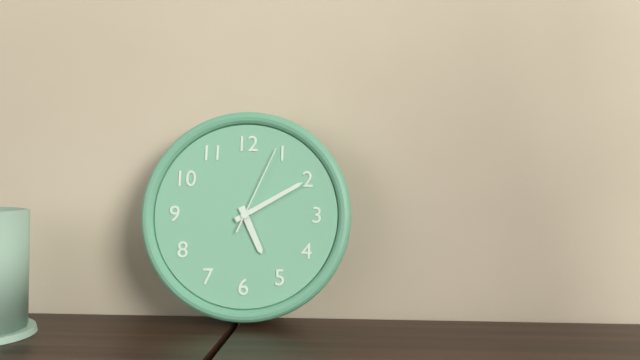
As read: 5h10m04s
